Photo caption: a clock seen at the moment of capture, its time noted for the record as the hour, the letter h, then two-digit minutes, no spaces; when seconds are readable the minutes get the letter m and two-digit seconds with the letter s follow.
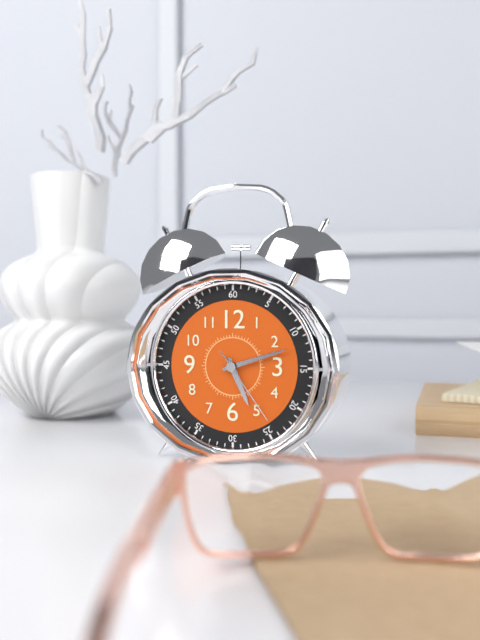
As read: 5h12m24s
